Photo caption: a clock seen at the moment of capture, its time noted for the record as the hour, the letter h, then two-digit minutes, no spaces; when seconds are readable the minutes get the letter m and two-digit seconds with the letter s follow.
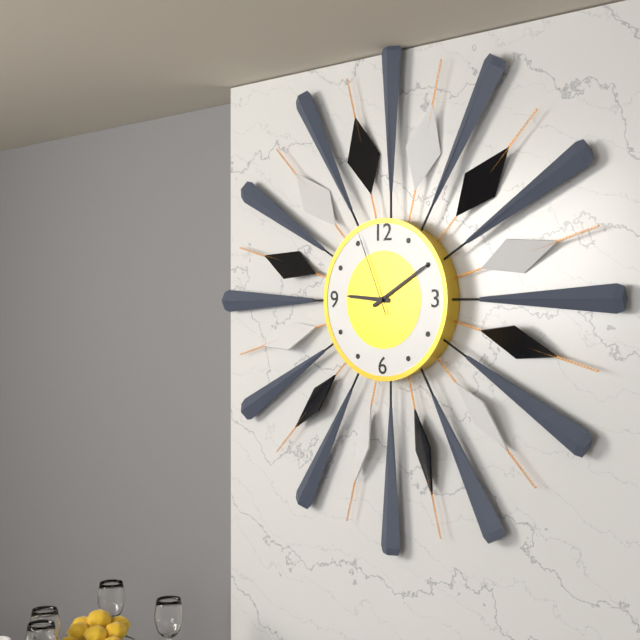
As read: 9h10m56s
